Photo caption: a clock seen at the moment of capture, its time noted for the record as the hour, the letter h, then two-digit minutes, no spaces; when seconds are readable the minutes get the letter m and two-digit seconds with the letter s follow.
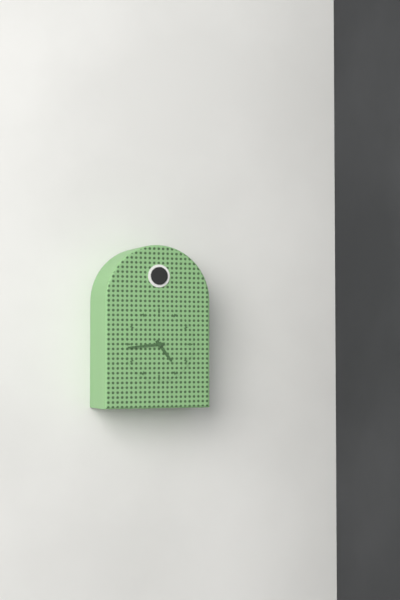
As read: 4h44
